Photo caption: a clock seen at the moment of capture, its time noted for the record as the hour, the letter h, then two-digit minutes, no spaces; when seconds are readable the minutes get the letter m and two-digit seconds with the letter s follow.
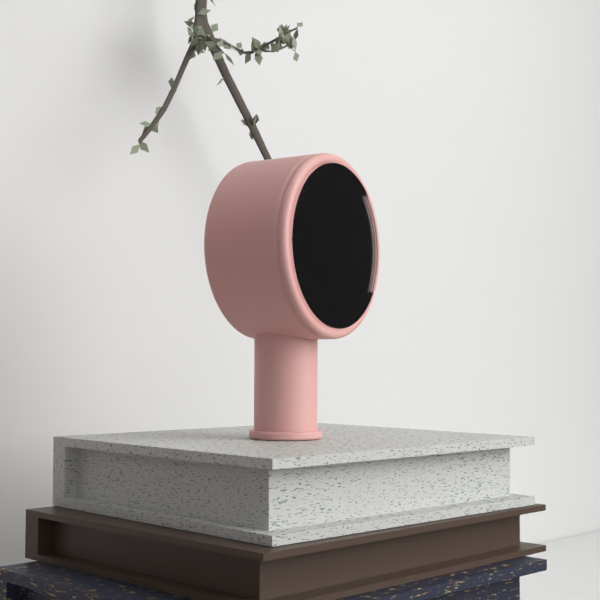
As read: 3h09
